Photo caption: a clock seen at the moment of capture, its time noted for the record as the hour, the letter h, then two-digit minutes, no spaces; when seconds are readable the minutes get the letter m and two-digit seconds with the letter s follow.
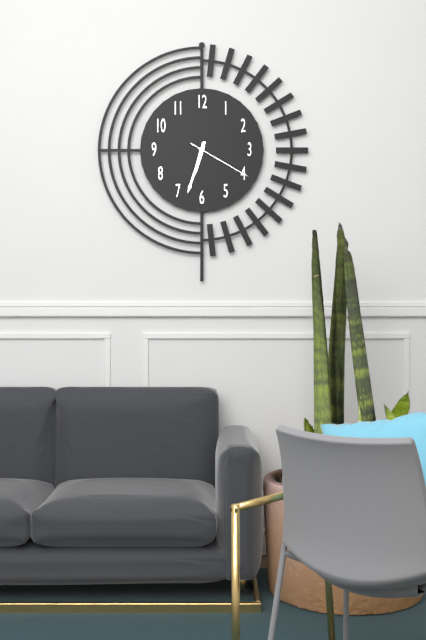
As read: 6h33m20s
